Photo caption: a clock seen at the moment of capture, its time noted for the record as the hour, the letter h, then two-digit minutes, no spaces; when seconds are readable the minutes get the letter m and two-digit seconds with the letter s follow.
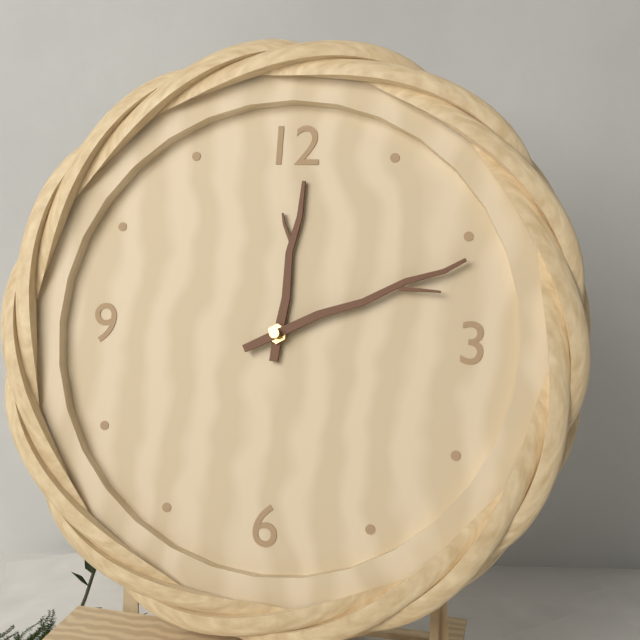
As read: 12h11
